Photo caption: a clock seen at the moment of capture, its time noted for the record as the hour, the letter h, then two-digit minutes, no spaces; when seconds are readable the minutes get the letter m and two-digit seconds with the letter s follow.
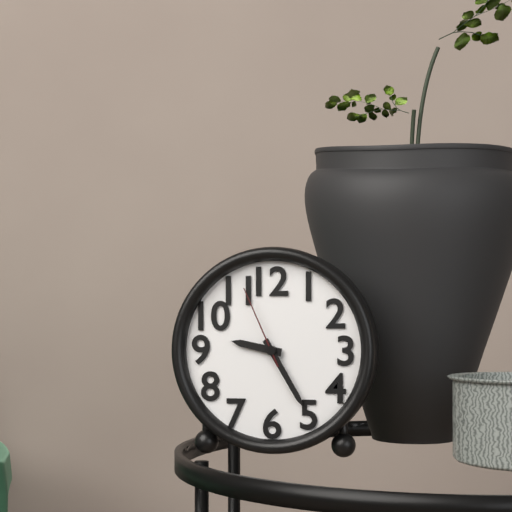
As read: 9h25m56s
